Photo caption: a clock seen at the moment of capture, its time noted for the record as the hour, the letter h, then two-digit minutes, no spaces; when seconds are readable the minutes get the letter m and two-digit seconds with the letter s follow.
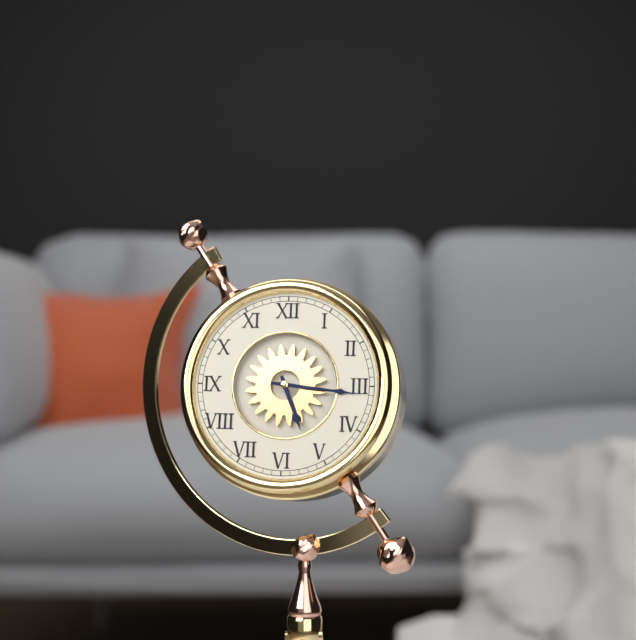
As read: 5h16
